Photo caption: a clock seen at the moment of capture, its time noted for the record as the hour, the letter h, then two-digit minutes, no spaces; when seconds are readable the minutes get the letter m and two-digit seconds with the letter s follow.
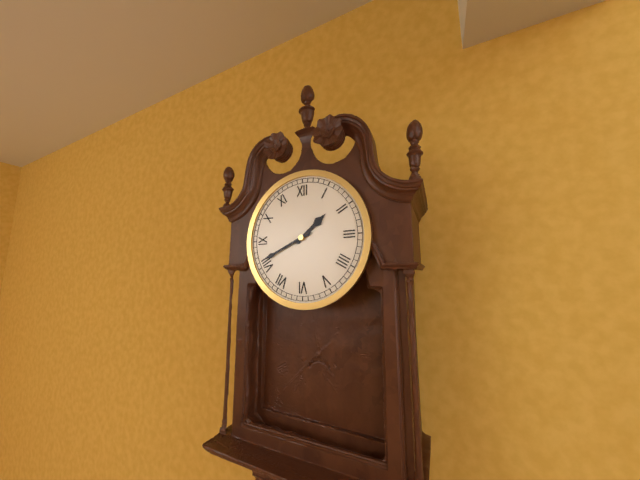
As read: 1h41
